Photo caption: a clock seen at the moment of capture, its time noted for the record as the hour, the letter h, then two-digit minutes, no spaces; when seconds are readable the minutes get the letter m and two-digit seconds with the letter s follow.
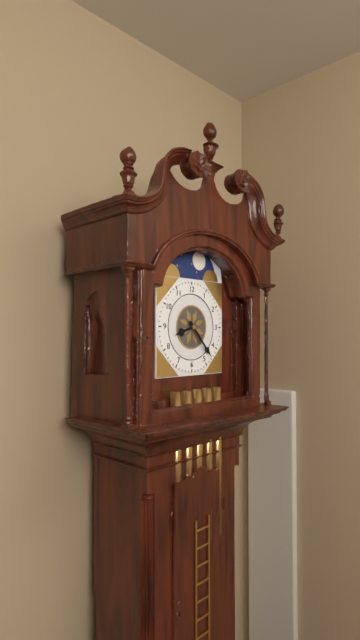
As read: 8h23
